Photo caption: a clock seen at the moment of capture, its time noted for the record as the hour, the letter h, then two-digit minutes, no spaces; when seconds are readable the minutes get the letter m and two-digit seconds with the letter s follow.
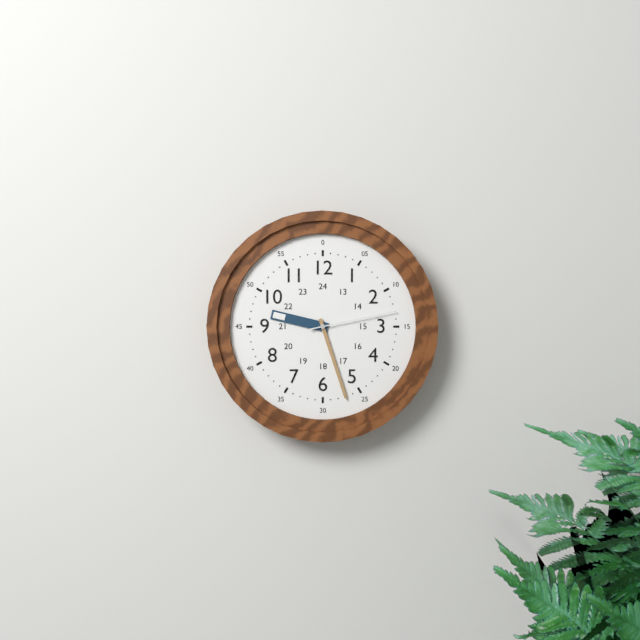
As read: 9h27m13s
